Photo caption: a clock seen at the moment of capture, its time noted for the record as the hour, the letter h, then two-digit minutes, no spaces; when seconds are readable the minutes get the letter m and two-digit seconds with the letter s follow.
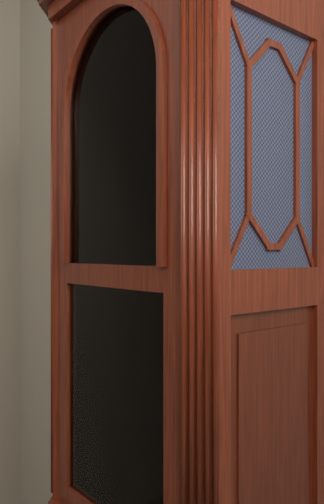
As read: 11h09
